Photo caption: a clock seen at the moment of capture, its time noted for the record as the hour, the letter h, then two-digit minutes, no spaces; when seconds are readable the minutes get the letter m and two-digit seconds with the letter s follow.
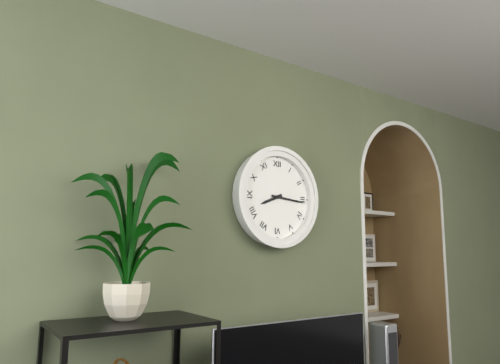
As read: 8h16
